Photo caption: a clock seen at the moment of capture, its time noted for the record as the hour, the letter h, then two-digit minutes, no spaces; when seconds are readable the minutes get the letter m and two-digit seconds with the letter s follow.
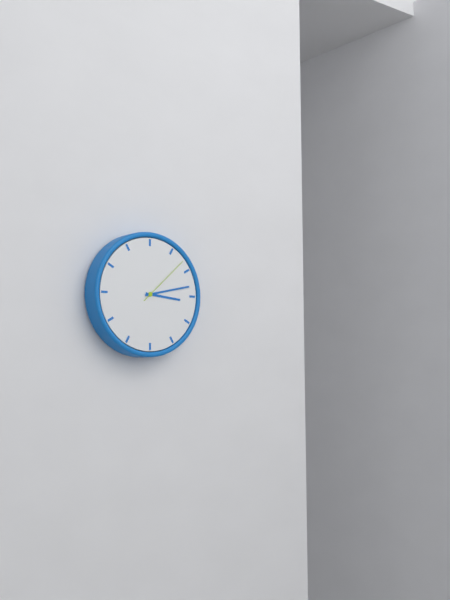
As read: 3h13m08s
